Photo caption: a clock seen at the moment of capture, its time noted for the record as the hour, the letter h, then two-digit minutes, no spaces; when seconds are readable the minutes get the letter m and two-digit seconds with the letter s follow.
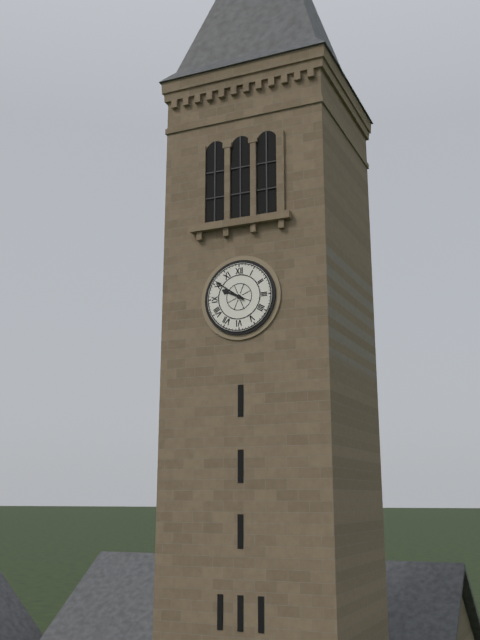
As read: 9h51
